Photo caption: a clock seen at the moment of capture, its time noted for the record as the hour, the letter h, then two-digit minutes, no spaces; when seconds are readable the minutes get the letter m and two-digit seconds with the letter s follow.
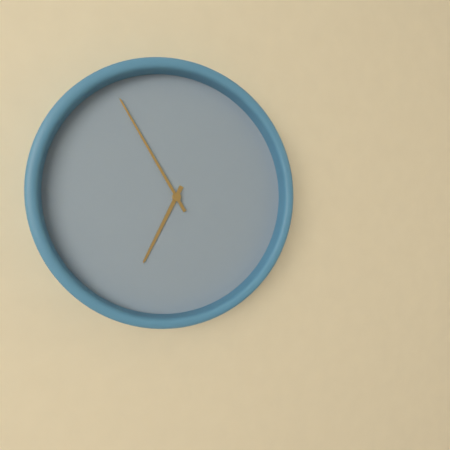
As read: 6h55
